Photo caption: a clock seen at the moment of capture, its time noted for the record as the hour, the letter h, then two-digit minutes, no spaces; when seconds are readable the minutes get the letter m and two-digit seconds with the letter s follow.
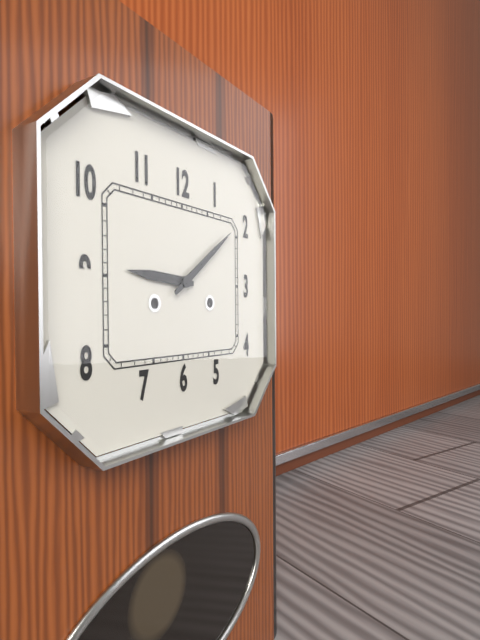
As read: 9h09
